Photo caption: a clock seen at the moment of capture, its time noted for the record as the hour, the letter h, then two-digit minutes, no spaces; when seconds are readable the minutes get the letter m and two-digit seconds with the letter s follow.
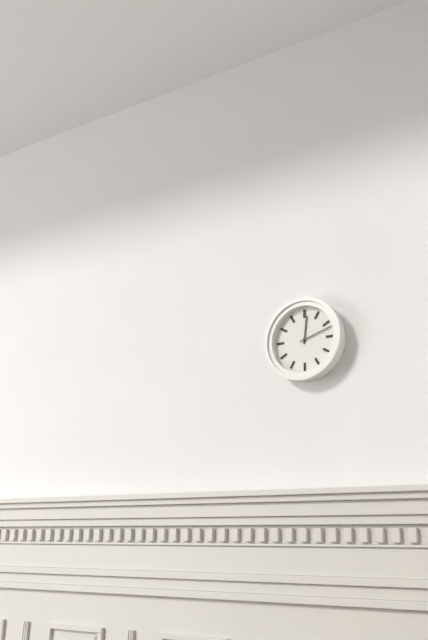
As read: 12h12
